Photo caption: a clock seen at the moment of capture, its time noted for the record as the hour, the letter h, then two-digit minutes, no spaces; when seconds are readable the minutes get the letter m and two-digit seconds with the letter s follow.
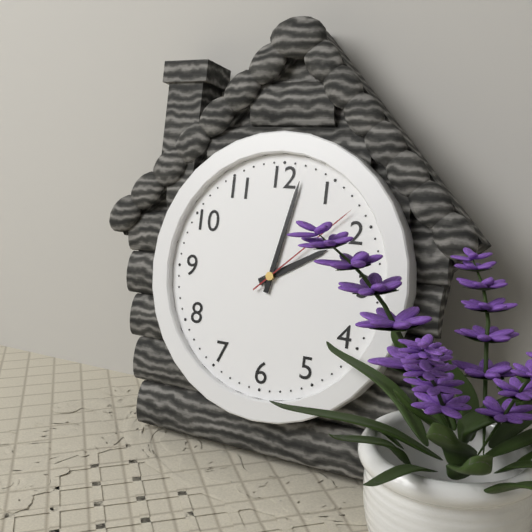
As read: 2h02m08s
